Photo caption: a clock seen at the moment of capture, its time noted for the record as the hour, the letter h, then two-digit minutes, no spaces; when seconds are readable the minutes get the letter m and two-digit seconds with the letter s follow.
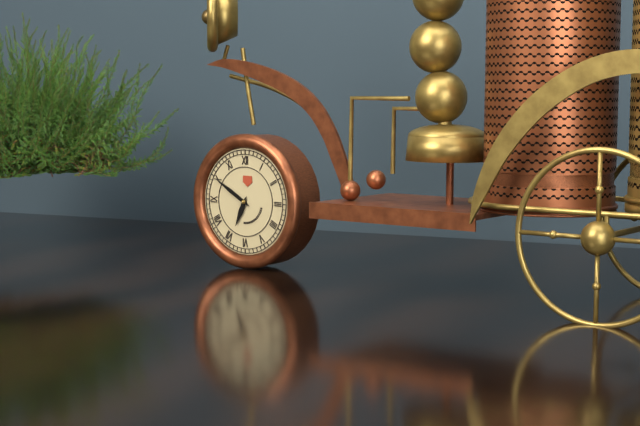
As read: 6h50
